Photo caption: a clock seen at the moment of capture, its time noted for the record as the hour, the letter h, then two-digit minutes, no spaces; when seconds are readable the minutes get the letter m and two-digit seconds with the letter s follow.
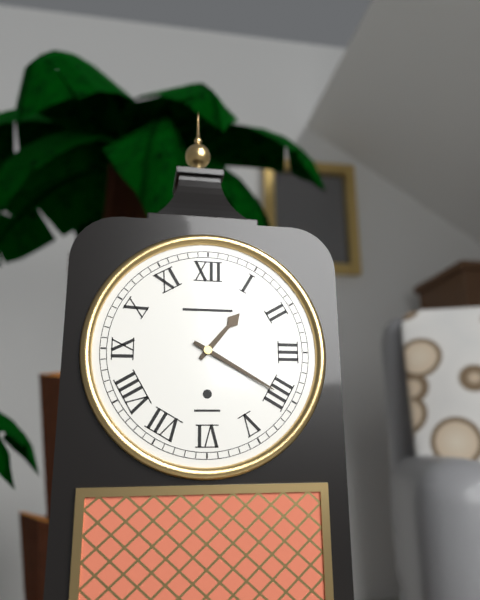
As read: 1h20
